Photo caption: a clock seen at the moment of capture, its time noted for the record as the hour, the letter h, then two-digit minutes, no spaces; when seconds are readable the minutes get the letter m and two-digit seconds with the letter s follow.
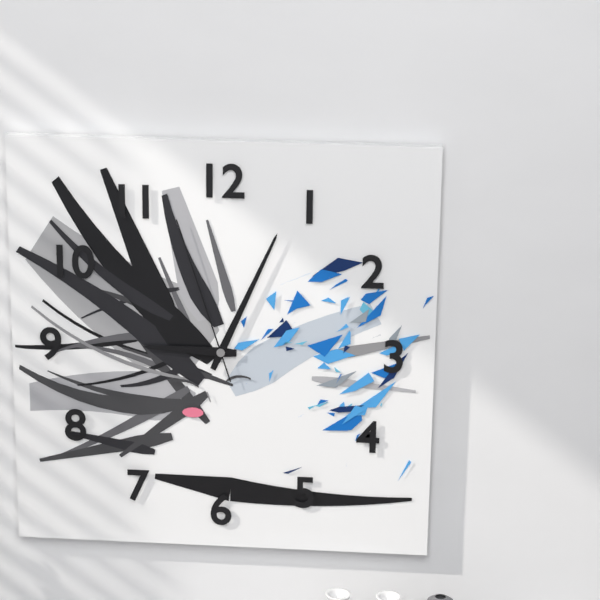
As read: 9h04m57s
